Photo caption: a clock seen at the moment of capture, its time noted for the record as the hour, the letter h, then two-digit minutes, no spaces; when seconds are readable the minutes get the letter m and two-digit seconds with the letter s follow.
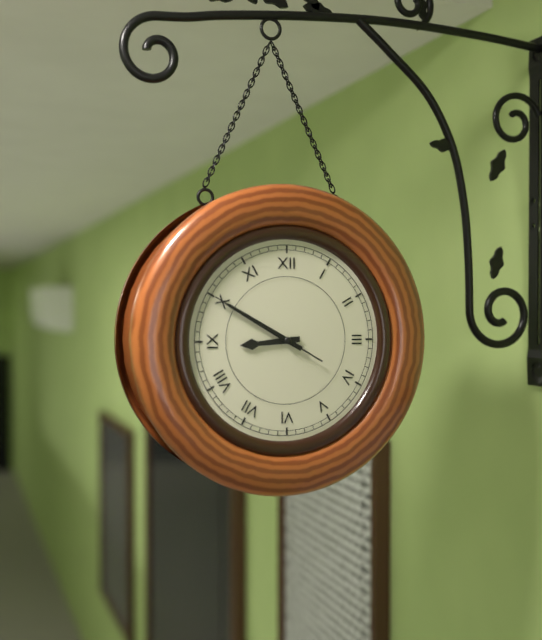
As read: 8h50m50s
